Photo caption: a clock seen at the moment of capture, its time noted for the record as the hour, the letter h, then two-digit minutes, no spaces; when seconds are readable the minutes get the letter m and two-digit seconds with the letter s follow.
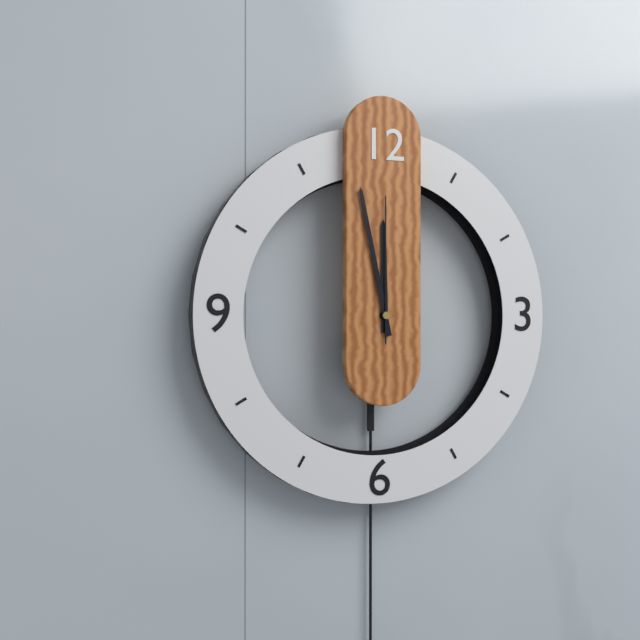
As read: 11h58m00s
